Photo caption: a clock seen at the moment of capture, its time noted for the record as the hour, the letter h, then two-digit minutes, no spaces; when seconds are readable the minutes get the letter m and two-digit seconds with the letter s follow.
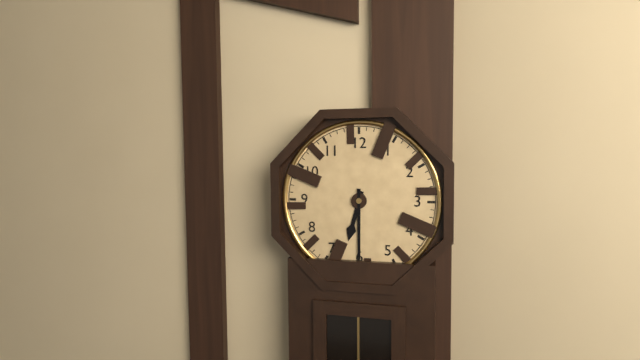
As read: 6h30
